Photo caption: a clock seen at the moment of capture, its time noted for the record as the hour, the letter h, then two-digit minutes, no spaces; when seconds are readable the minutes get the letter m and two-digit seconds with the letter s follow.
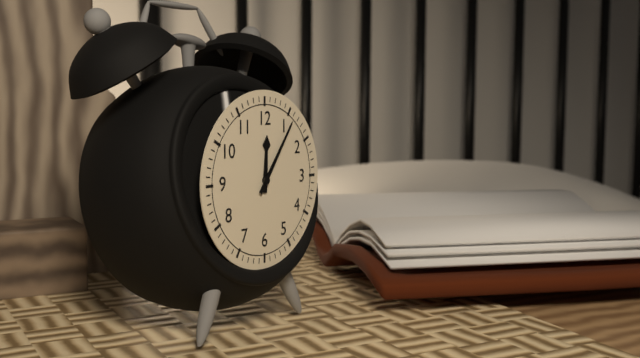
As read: 12h06
